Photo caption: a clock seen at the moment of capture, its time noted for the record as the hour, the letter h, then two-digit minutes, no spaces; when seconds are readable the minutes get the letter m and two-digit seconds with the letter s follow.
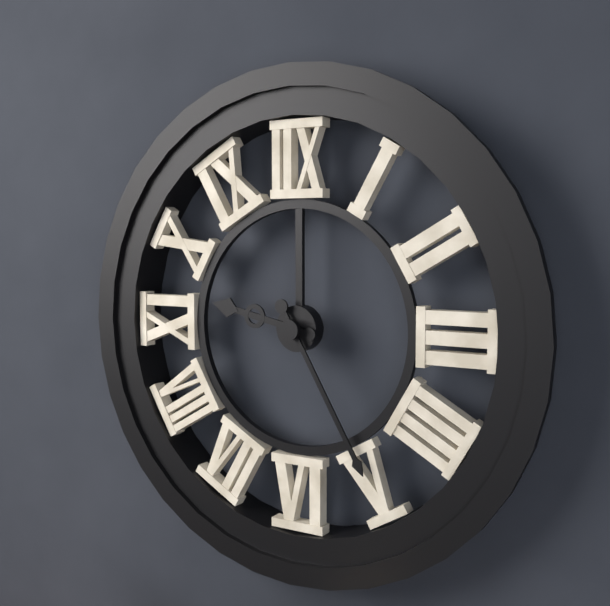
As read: 9h25
